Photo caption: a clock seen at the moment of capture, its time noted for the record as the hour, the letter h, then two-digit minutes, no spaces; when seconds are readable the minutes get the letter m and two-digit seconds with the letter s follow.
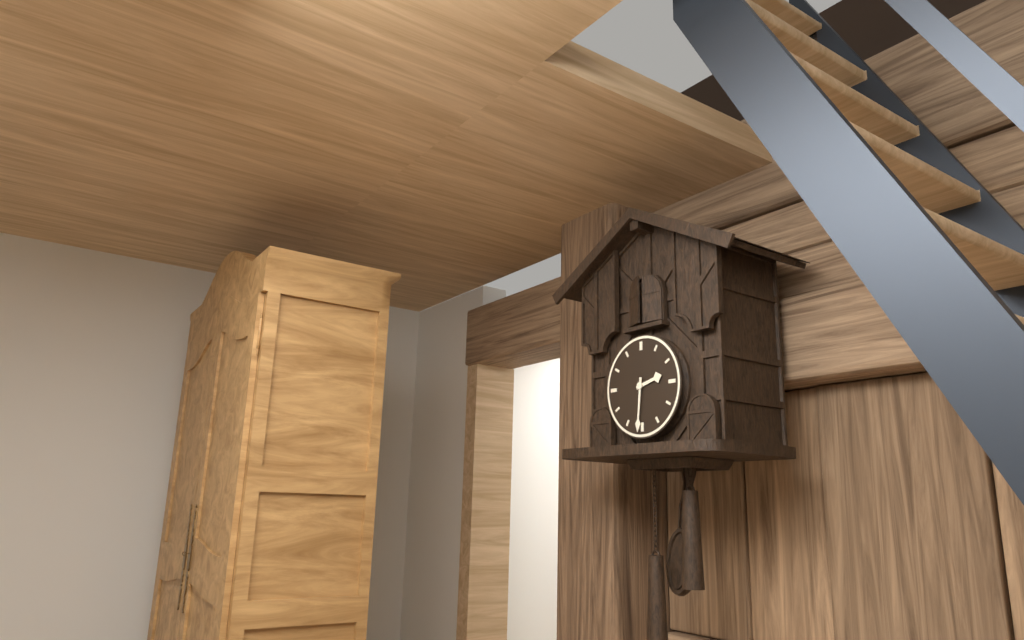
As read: 2h31
